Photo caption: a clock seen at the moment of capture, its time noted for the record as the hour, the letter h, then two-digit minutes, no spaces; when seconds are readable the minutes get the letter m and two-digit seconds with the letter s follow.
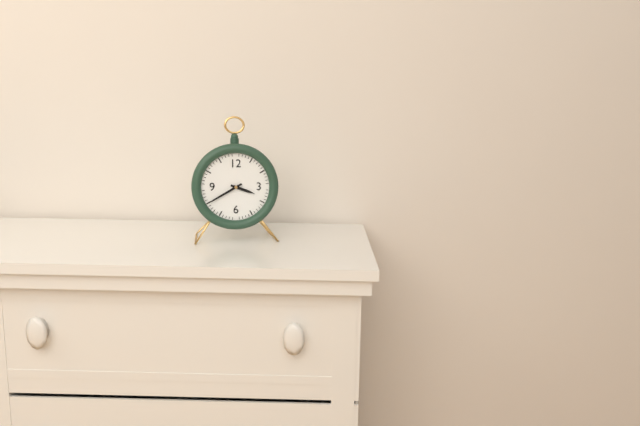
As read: 3h40
